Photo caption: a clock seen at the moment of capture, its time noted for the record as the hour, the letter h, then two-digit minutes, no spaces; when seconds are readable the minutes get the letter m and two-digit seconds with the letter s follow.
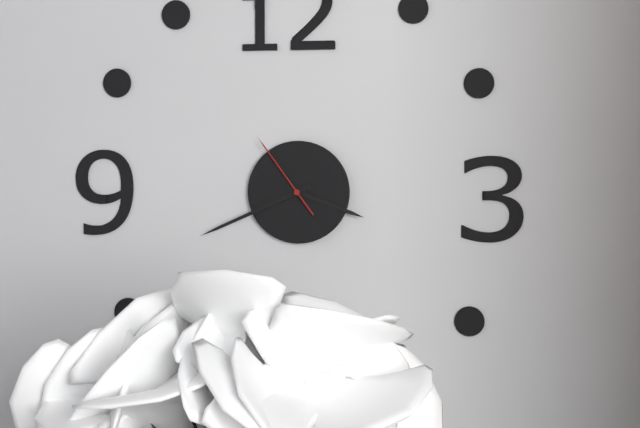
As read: 3h41m54s
